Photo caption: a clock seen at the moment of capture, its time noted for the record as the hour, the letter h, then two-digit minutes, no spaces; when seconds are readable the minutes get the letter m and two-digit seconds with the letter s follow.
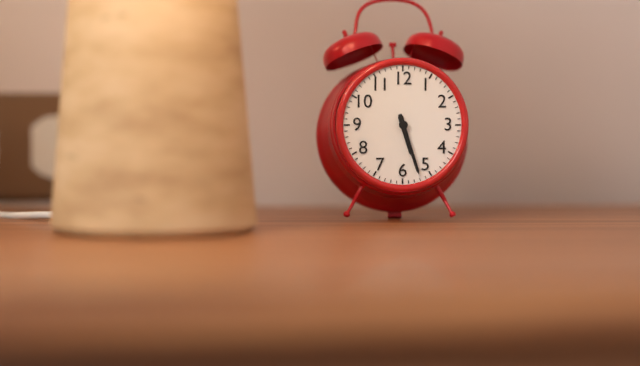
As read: 5h27
